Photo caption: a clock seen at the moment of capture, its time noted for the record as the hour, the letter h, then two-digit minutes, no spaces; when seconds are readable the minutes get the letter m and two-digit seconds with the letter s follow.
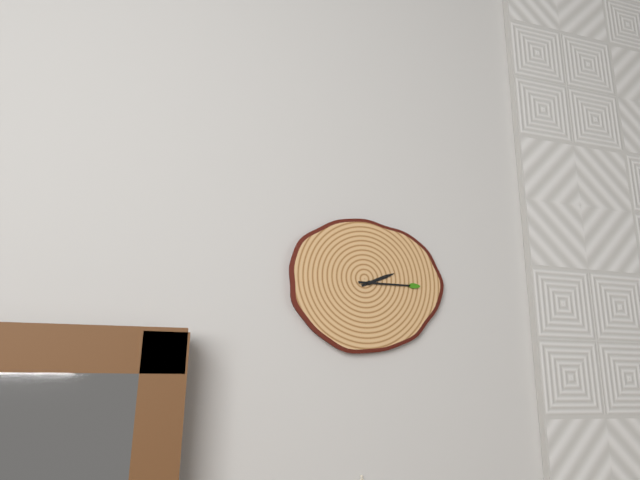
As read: 2h15
